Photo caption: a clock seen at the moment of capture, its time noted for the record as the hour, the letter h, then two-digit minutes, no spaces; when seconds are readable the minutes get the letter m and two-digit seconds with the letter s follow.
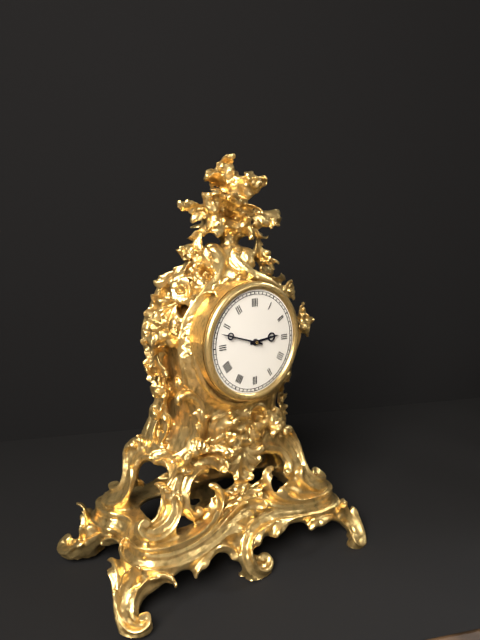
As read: 2h48
